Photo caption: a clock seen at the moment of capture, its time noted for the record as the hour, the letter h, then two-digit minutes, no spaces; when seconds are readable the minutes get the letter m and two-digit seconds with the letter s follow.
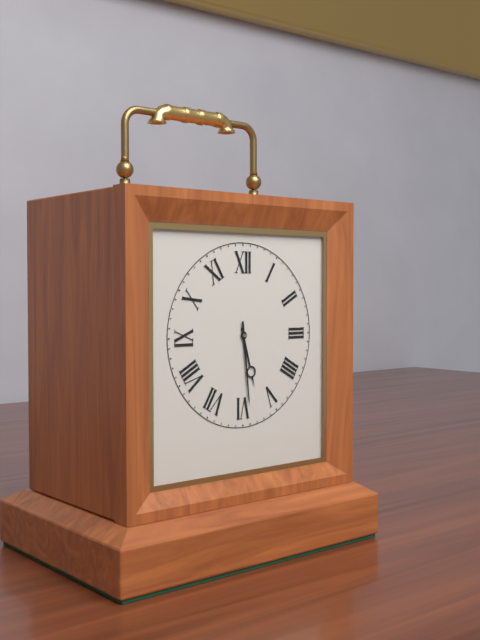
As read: 5h29
